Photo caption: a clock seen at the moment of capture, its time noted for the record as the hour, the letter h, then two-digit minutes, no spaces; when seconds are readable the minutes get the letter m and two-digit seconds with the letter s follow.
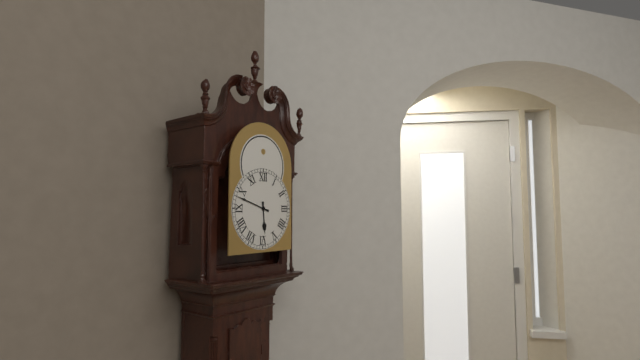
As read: 5h48
